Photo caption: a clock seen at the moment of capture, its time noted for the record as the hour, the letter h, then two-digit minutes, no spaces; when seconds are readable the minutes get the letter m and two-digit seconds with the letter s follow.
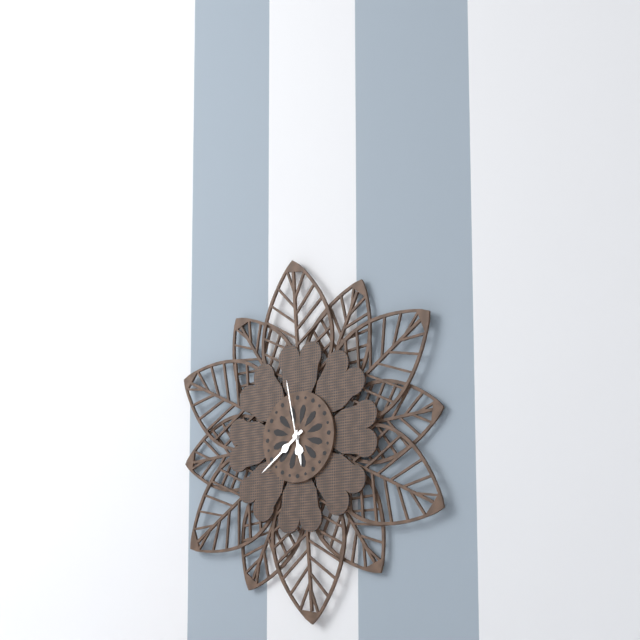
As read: 5h39m58s
